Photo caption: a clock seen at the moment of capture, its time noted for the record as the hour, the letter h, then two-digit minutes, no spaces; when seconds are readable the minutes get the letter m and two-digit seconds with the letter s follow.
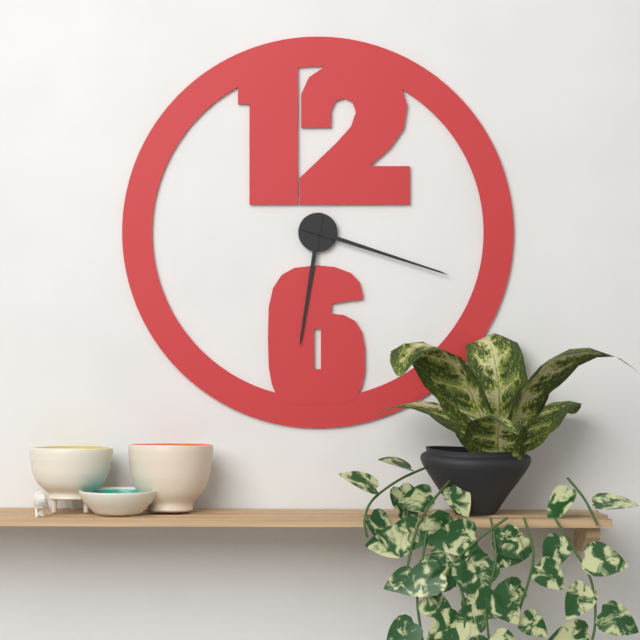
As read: 6h18
